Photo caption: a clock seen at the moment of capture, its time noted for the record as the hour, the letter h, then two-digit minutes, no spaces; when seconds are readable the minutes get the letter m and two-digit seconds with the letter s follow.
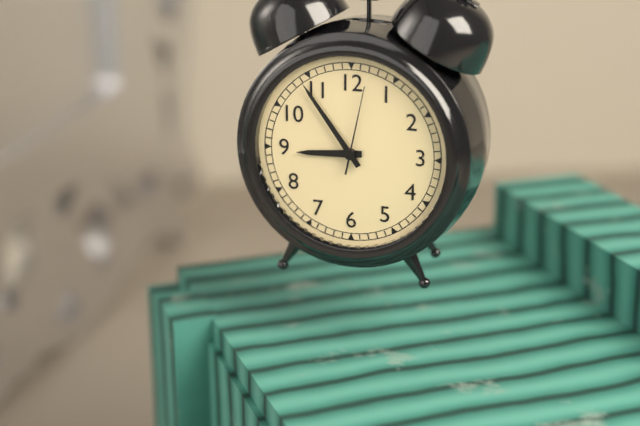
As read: 8h54m02s
